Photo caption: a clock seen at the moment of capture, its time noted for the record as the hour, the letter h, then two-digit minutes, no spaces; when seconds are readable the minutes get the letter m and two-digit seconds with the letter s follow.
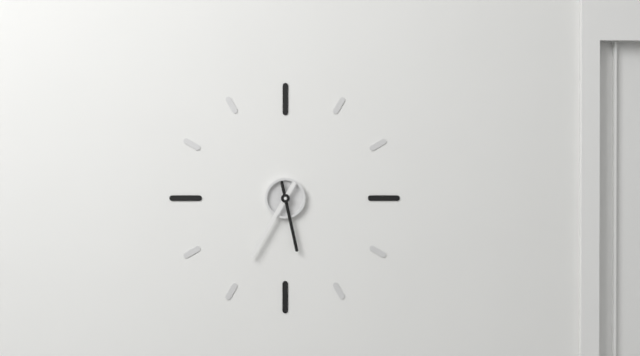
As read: 5h35
